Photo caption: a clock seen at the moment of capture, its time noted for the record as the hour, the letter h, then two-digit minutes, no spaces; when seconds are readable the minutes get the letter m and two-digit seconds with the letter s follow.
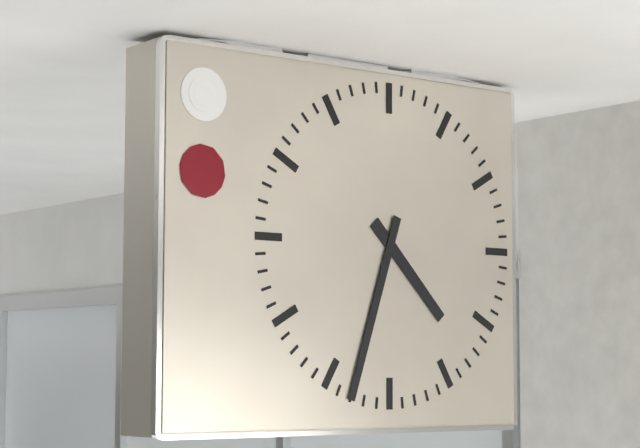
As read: 4h33
